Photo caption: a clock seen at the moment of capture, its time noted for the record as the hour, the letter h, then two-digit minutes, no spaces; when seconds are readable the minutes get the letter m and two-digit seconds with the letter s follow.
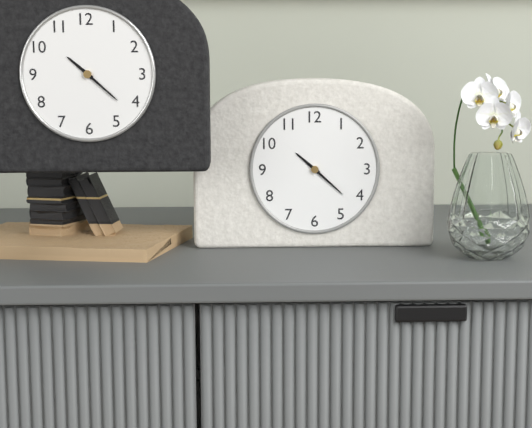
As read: 10h22
